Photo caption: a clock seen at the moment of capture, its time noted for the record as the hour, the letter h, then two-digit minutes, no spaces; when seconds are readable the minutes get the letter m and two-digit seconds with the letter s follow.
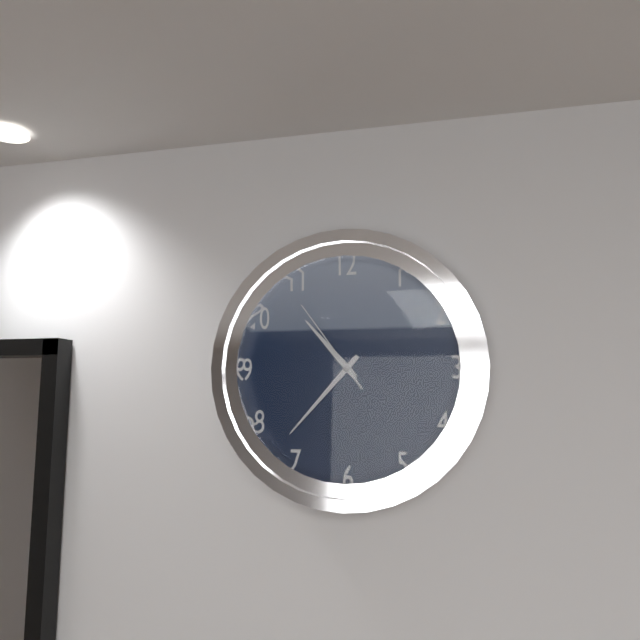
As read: 10h37m54s
